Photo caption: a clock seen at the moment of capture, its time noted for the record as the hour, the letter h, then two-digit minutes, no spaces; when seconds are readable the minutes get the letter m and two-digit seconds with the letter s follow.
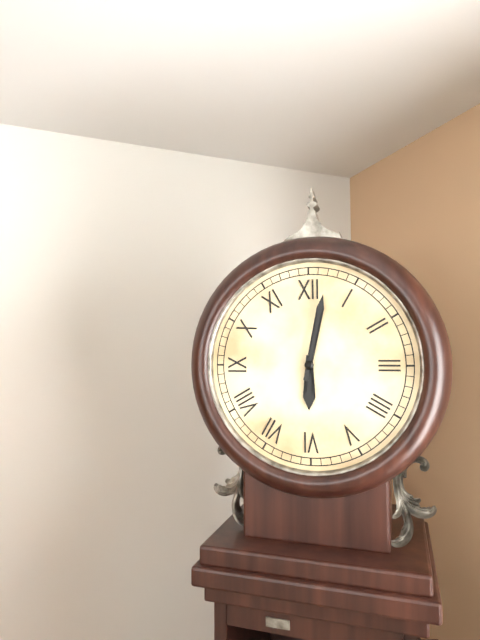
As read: 6h02
